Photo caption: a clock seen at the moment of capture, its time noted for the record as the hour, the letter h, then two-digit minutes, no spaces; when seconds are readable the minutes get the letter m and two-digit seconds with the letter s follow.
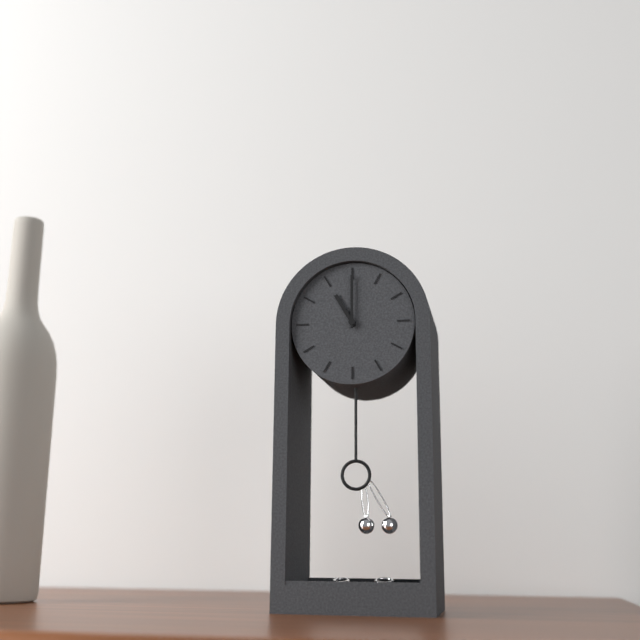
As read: 11h00
